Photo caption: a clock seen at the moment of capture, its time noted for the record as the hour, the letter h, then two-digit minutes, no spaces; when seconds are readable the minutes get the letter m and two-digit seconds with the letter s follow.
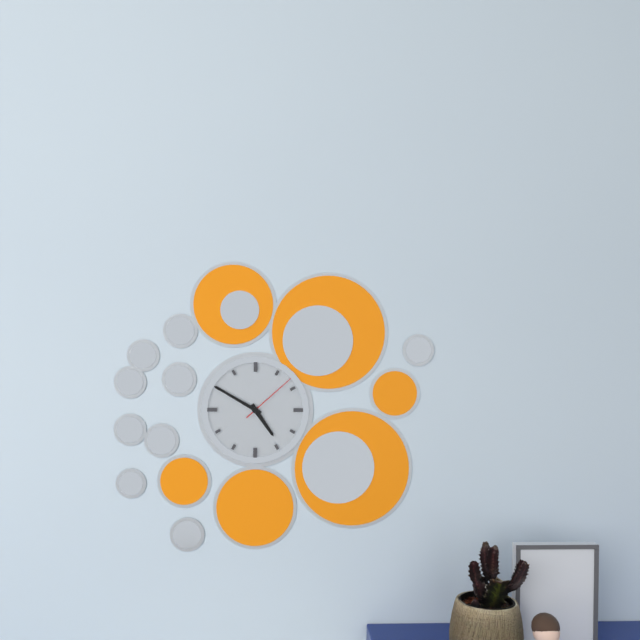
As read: 4h50m08s
